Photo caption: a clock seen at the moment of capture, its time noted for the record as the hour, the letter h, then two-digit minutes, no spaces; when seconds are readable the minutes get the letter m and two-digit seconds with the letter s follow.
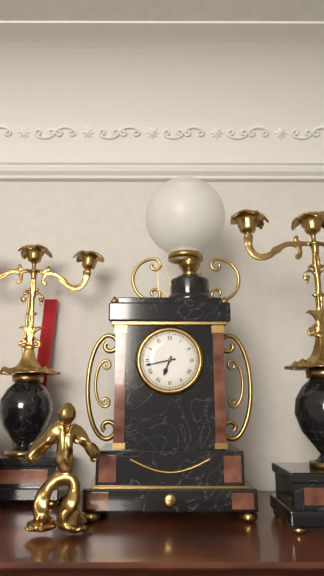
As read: 6h43
